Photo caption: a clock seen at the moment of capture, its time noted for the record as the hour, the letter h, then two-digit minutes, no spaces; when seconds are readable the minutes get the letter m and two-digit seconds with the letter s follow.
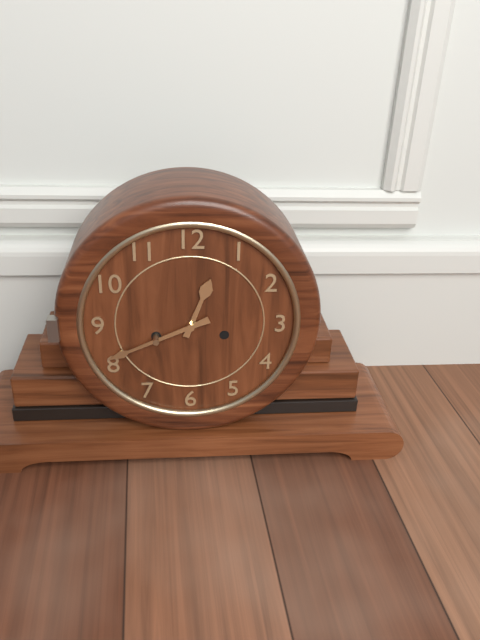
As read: 12h41
